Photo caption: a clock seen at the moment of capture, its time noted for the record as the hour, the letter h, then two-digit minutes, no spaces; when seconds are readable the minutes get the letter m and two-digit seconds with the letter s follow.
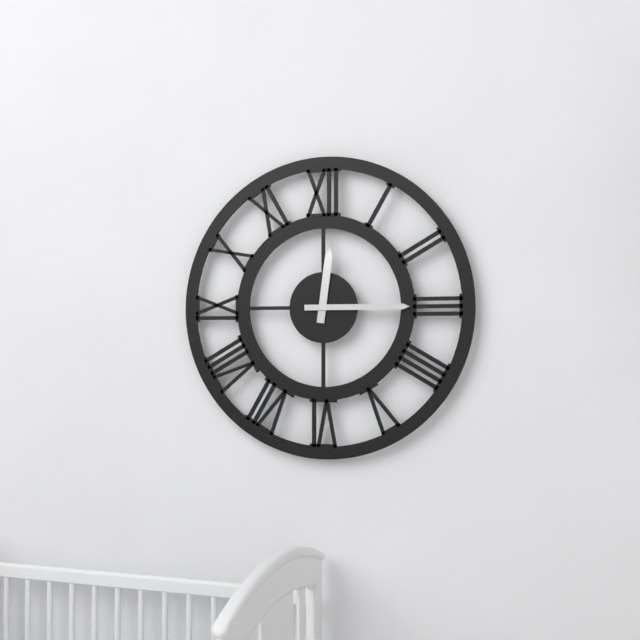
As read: 12h15
